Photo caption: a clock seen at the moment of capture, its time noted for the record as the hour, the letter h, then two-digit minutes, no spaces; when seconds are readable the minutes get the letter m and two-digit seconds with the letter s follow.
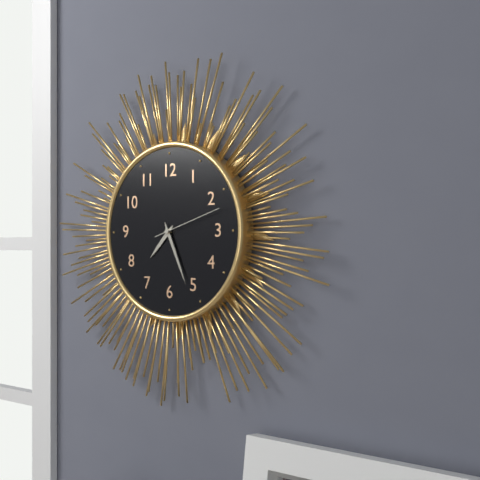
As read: 7h26m12s
